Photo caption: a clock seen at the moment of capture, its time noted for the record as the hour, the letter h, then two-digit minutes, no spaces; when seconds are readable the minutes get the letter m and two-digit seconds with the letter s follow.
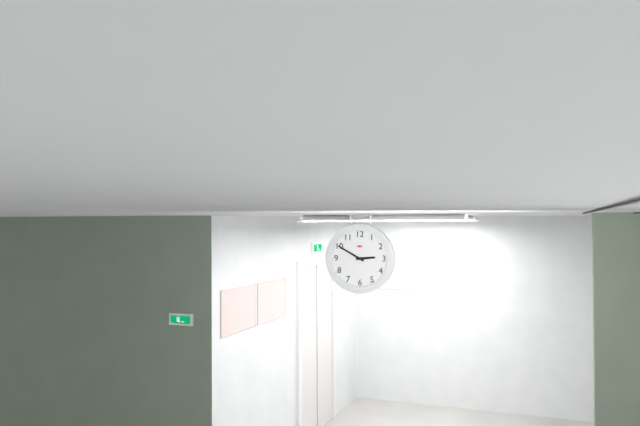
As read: 2h50
